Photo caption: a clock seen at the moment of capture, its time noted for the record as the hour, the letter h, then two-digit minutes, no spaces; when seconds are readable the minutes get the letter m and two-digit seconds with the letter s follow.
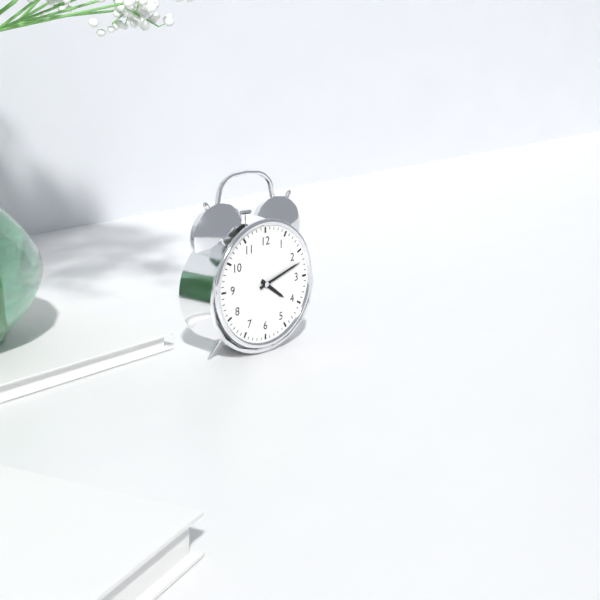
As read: 4h12
